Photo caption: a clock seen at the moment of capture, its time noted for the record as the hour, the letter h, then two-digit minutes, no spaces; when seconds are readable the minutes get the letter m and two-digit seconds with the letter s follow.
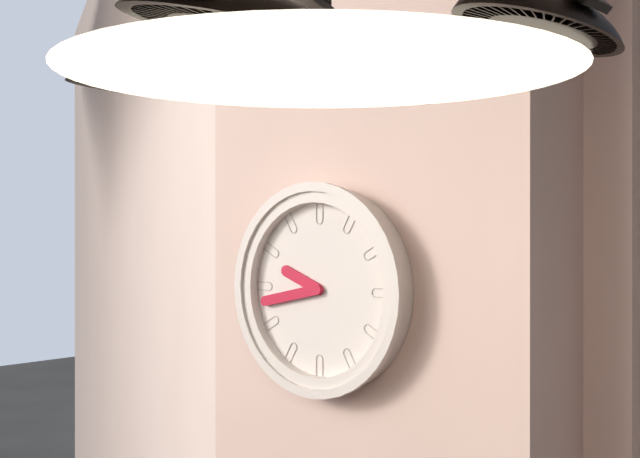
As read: 9h43
